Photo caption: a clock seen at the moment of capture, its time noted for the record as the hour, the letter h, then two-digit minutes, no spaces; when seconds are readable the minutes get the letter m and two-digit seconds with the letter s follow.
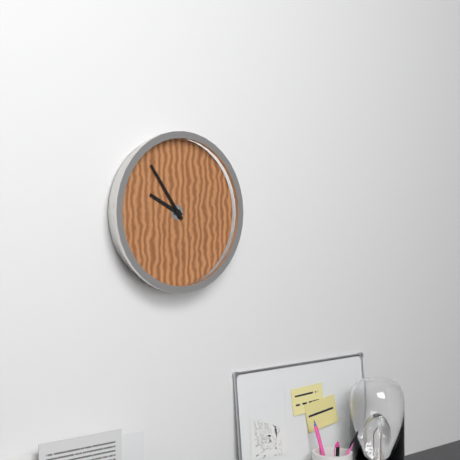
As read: 9h54
